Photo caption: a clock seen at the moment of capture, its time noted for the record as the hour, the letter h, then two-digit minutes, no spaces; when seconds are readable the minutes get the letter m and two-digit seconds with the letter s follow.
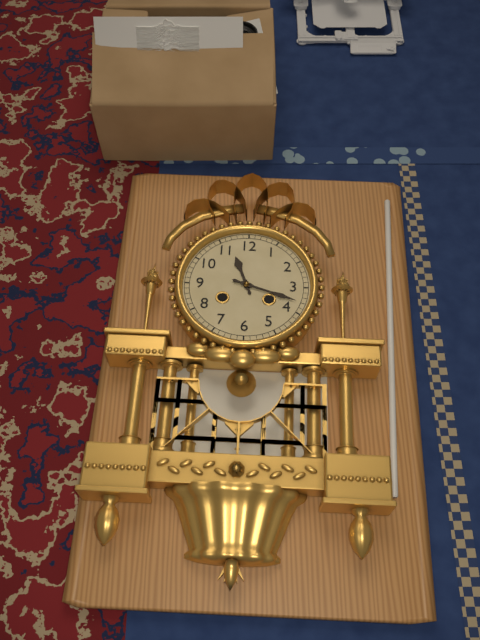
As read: 11h18
